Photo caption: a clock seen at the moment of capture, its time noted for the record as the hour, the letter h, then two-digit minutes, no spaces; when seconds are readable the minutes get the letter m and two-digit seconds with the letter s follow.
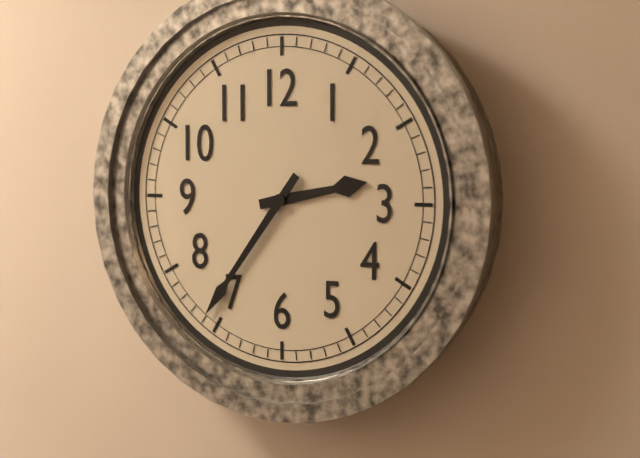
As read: 2h36
